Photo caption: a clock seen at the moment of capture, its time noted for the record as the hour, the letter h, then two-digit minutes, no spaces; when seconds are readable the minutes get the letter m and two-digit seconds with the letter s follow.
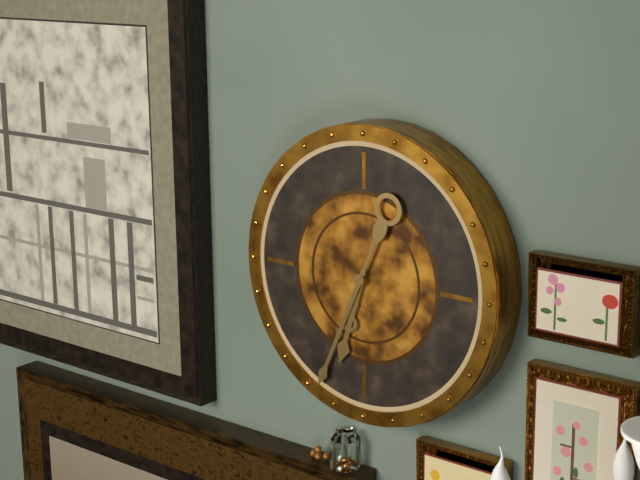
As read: 6h34
